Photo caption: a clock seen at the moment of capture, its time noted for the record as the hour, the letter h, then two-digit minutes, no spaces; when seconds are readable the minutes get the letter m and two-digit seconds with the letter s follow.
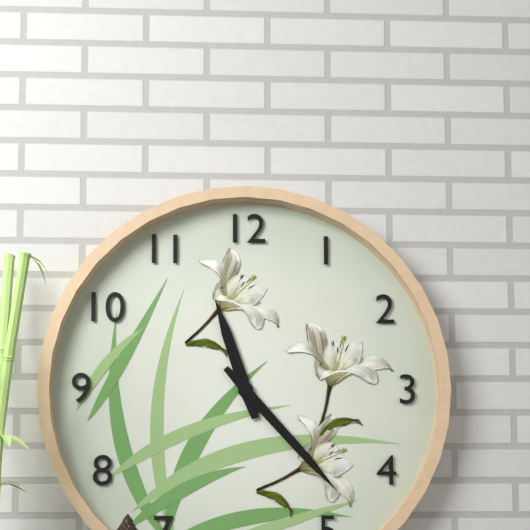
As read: 11h23
